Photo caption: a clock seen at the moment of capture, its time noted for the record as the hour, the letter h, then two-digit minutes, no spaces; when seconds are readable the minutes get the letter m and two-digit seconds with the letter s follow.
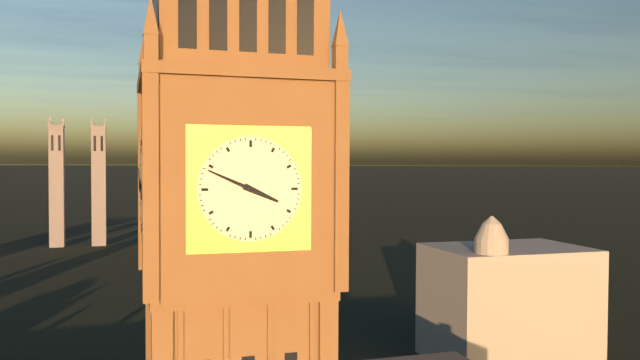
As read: 3h49
